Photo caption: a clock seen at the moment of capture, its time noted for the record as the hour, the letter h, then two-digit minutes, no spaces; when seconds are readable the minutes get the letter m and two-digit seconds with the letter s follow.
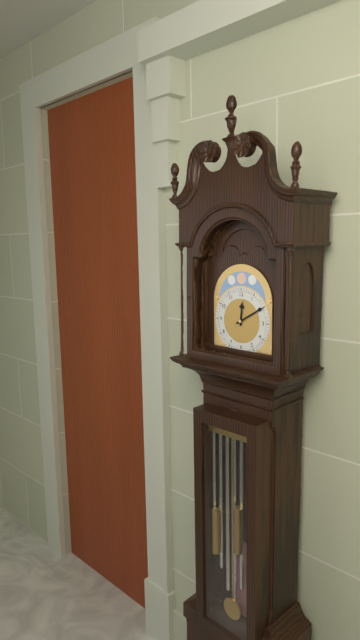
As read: 12h10
